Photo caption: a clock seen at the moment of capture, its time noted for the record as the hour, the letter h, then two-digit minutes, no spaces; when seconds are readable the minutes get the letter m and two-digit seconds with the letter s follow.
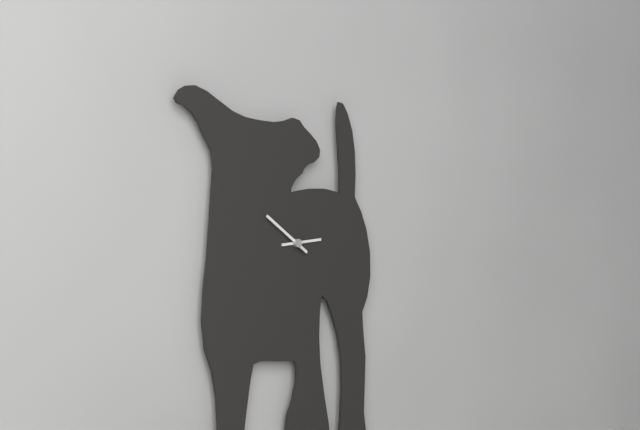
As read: 2h51
